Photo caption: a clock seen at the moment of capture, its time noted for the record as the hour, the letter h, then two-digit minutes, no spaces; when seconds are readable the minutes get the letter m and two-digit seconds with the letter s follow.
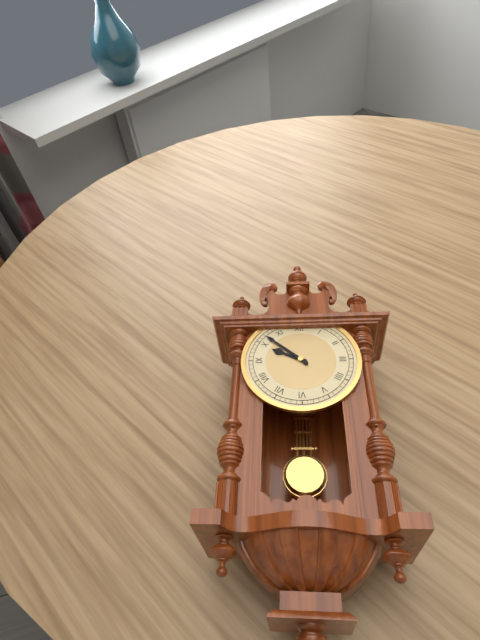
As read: 9h52
